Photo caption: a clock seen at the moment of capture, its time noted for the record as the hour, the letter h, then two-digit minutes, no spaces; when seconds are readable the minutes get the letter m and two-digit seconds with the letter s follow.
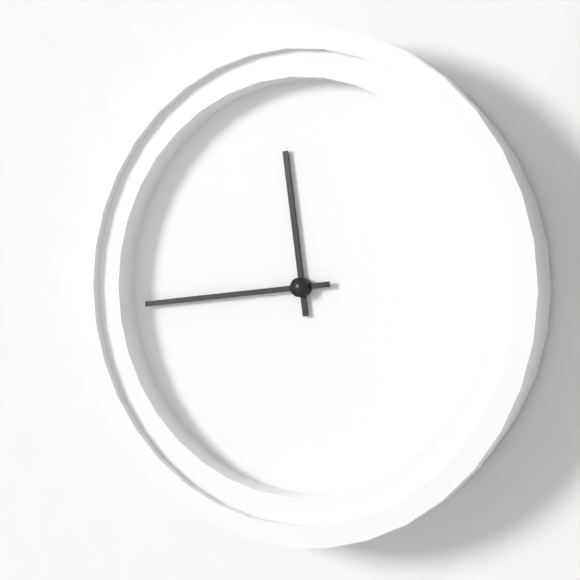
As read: 11h44
